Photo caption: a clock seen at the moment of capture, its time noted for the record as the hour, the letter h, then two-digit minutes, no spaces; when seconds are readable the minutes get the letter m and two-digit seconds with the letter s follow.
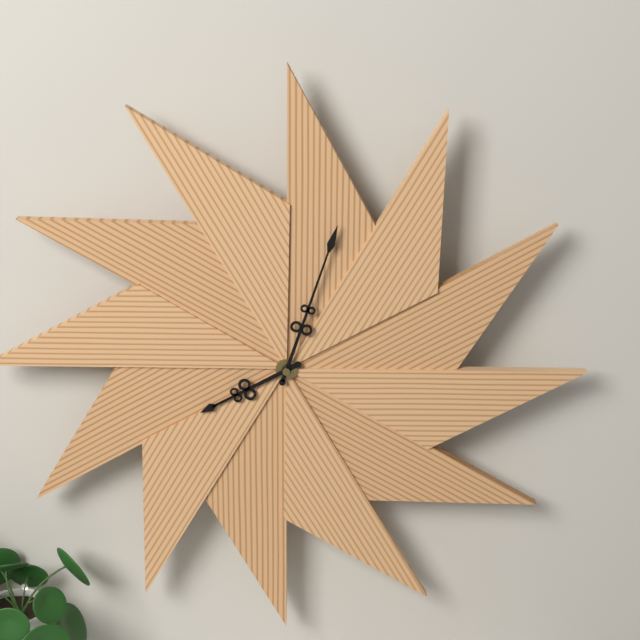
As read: 8h03
